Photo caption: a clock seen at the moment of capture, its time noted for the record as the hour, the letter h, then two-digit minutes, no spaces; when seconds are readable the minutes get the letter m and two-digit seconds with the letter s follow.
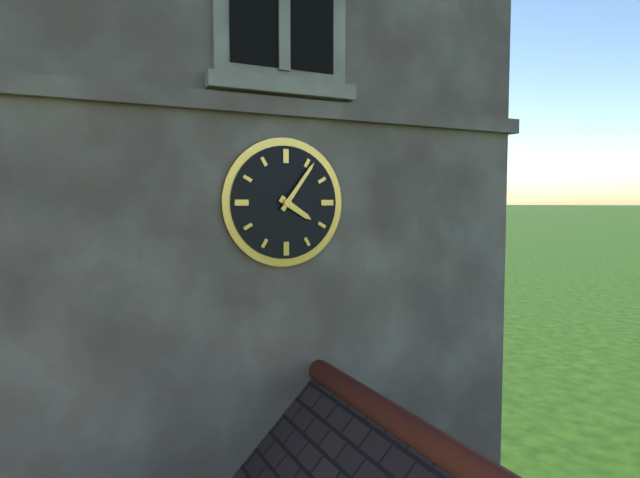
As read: 4h06
